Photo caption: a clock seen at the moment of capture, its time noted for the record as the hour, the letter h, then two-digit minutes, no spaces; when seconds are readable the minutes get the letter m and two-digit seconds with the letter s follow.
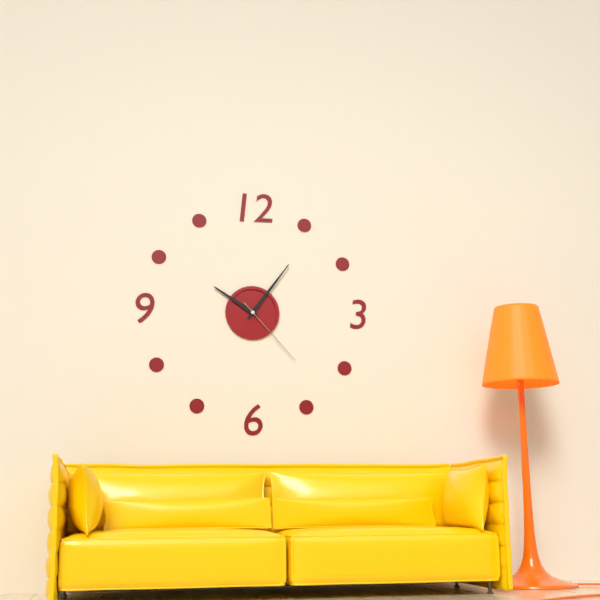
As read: 10h06m23s
